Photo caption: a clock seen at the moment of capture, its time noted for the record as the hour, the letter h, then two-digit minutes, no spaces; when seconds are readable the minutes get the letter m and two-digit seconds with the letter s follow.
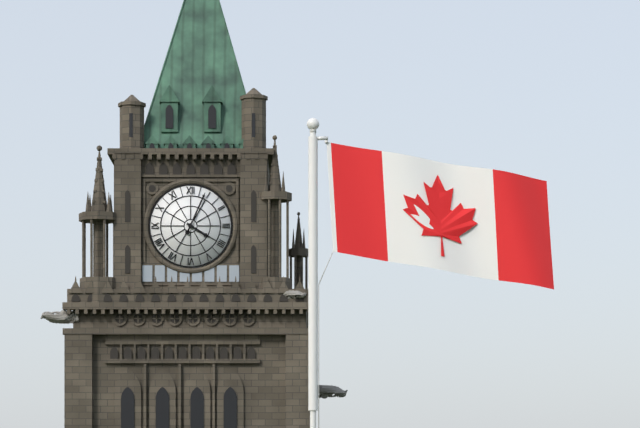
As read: 4h04
